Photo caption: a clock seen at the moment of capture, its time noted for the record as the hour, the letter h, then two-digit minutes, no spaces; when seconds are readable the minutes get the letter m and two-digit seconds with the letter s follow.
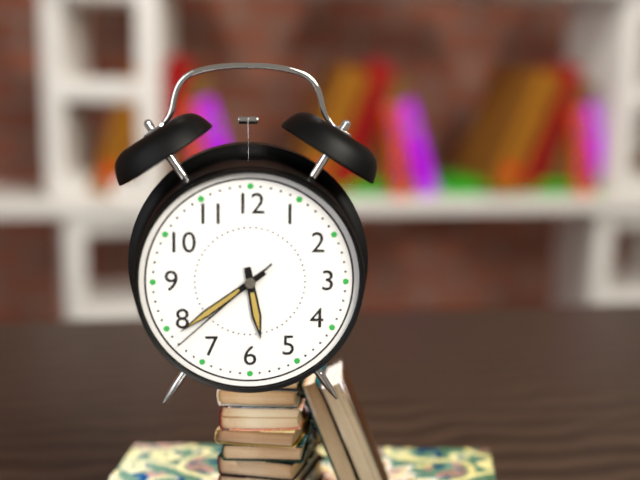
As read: 5h39m38s
